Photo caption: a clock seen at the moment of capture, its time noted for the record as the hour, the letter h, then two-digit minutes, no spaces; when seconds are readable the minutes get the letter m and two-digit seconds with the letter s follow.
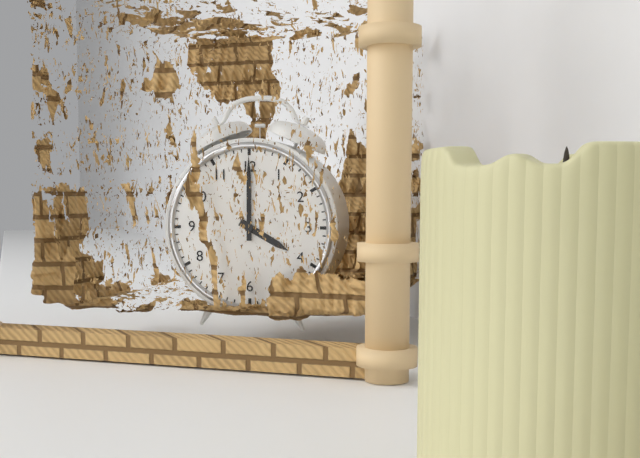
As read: 4h00
